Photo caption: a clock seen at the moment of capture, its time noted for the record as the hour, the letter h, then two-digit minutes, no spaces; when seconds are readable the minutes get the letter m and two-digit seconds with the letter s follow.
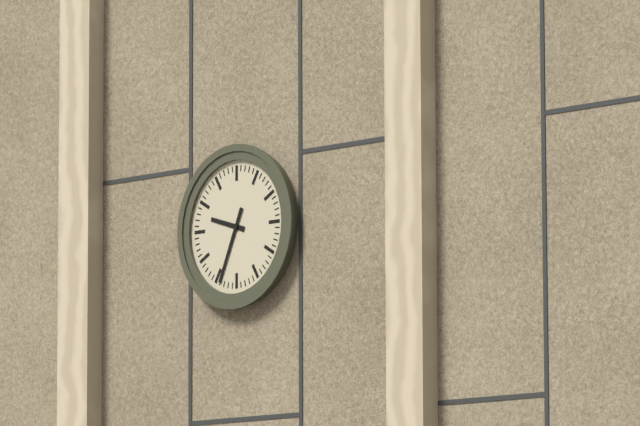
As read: 9h34
